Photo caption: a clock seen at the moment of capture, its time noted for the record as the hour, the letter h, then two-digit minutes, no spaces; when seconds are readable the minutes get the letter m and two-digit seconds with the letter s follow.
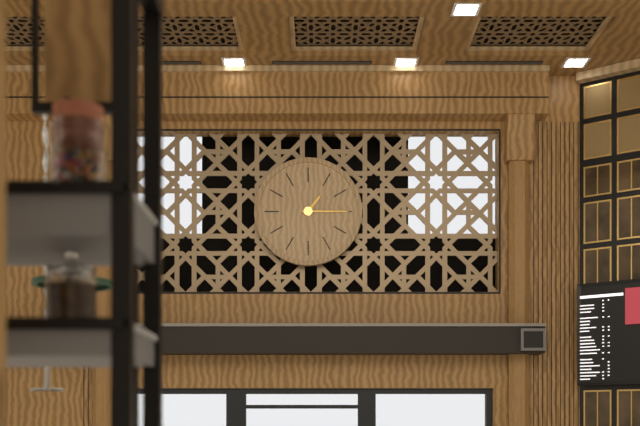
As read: 1h15
